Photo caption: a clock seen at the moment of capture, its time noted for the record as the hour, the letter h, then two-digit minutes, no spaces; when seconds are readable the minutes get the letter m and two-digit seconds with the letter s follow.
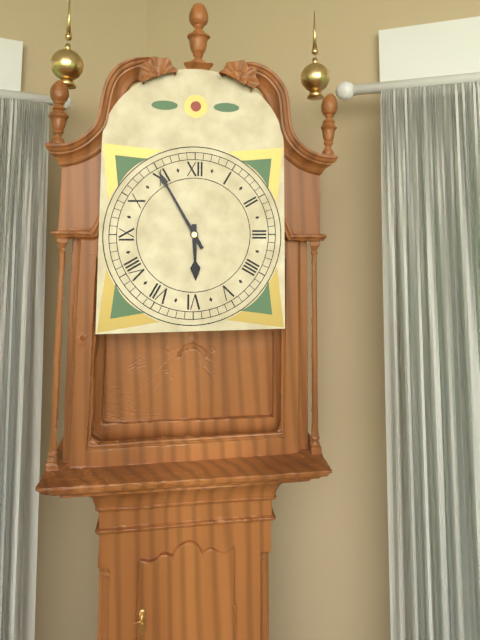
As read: 5h55
